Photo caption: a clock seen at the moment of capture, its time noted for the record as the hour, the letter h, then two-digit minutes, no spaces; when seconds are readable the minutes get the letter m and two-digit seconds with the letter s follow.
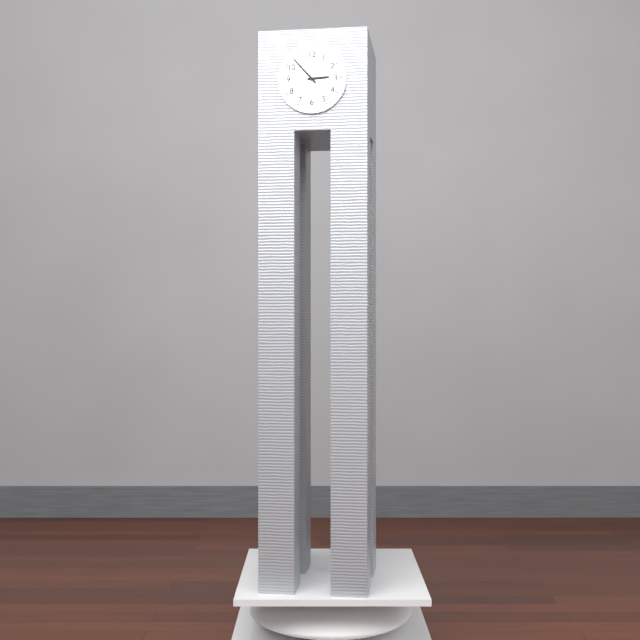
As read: 2h53
